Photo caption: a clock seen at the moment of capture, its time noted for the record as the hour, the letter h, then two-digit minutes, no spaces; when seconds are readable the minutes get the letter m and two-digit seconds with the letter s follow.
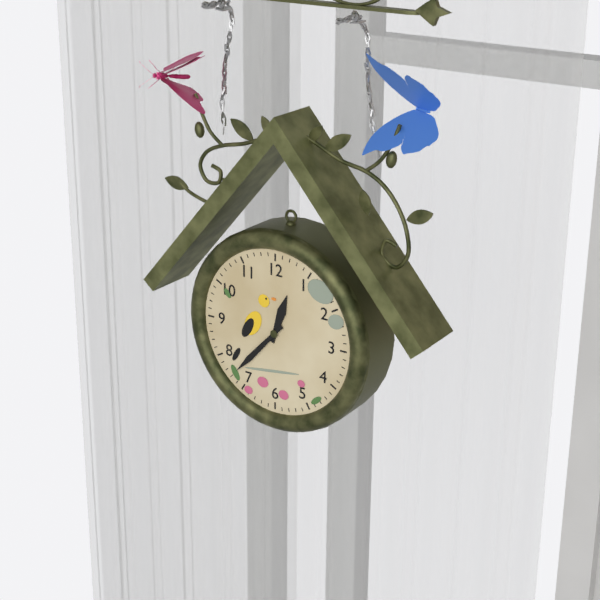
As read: 12h37
